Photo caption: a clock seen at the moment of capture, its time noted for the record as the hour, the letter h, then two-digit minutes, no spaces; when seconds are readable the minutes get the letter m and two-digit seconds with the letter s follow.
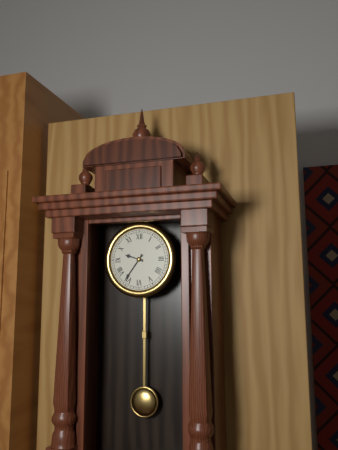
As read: 9h36
